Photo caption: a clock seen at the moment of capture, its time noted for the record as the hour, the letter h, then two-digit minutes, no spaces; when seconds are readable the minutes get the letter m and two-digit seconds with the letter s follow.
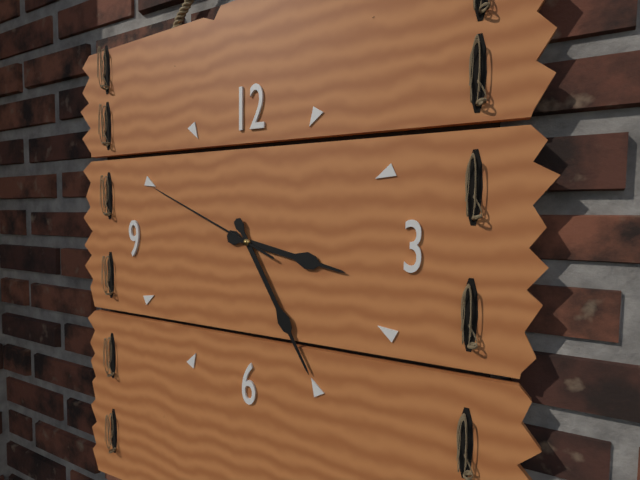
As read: 3h25m49s
